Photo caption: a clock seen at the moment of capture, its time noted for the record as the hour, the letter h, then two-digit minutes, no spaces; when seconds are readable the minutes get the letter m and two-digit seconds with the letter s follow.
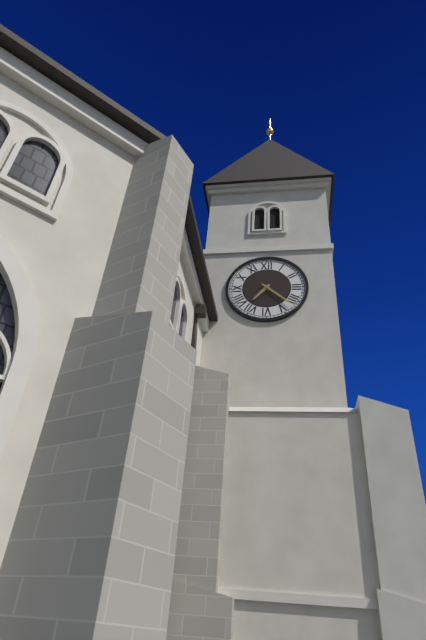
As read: 7h22
